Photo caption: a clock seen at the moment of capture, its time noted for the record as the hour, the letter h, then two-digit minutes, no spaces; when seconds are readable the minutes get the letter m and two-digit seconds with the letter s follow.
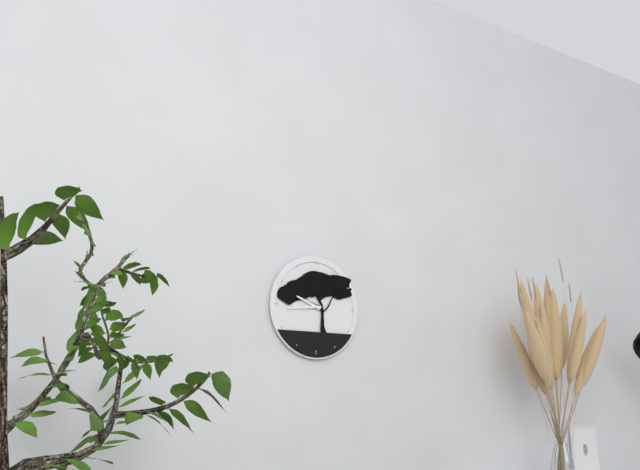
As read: 9h44
